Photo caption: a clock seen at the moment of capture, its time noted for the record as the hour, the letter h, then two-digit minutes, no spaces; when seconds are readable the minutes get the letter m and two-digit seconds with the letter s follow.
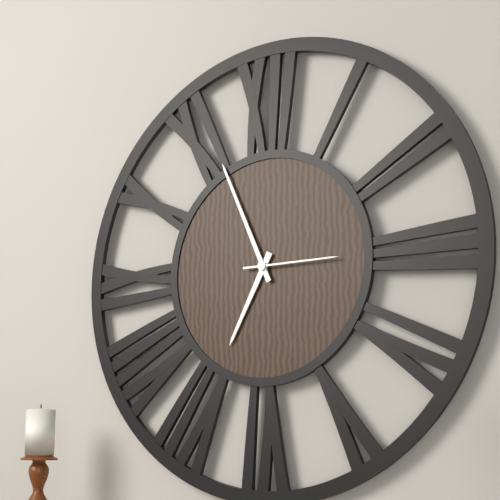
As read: 6h56m15s
